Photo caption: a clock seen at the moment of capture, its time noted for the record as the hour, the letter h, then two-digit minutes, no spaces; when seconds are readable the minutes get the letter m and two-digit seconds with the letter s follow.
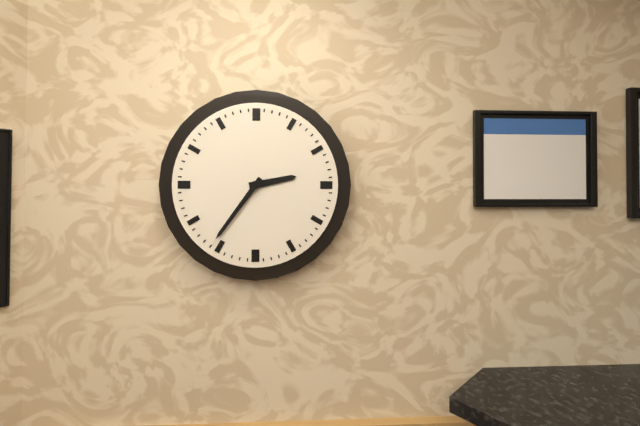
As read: 2h36
